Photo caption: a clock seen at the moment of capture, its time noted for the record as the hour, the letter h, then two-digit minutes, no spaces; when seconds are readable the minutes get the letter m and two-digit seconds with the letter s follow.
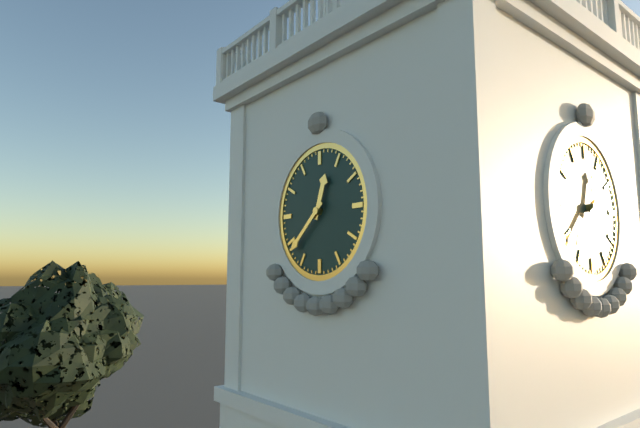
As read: 12h38
